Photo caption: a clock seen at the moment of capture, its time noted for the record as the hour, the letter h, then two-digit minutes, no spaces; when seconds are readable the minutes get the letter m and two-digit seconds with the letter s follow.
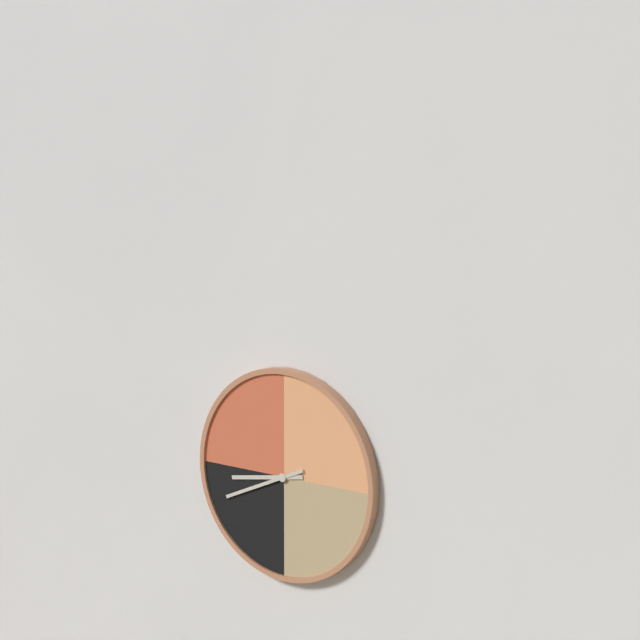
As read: 8h41
